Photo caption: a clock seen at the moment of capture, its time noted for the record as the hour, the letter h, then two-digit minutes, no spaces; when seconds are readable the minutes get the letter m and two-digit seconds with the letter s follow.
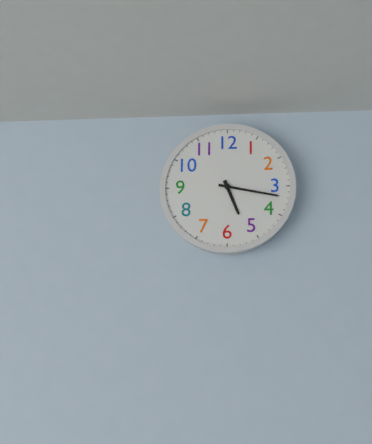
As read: 5h17
